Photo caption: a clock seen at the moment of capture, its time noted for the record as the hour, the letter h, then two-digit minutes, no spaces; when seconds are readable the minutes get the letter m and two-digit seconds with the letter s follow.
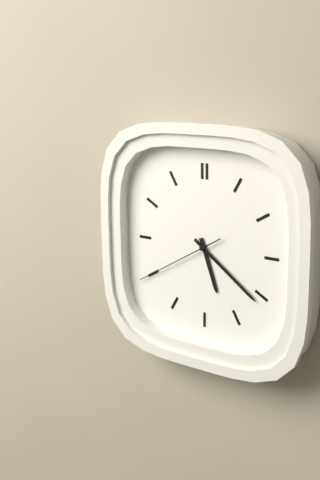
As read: 5h21m40s
